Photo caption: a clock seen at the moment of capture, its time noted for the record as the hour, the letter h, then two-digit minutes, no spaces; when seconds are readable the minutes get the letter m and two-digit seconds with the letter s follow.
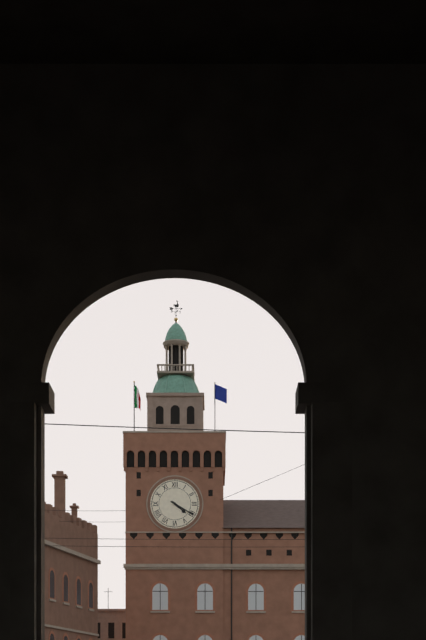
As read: 4h20
